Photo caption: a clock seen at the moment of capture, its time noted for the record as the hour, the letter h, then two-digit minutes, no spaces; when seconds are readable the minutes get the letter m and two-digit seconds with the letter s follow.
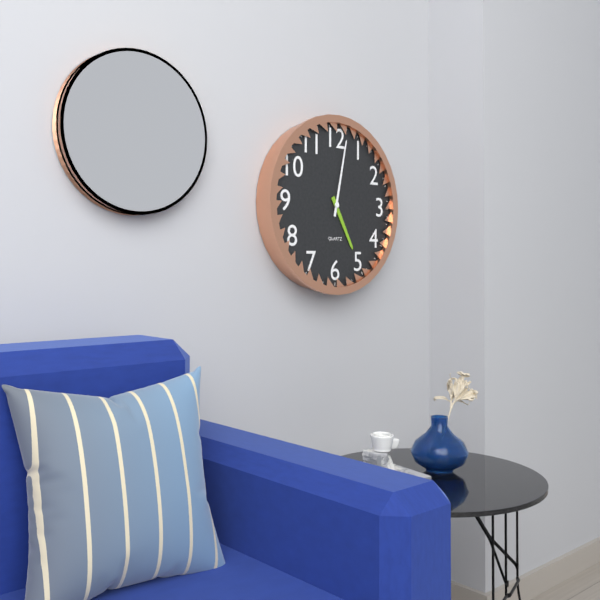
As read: 5h02
